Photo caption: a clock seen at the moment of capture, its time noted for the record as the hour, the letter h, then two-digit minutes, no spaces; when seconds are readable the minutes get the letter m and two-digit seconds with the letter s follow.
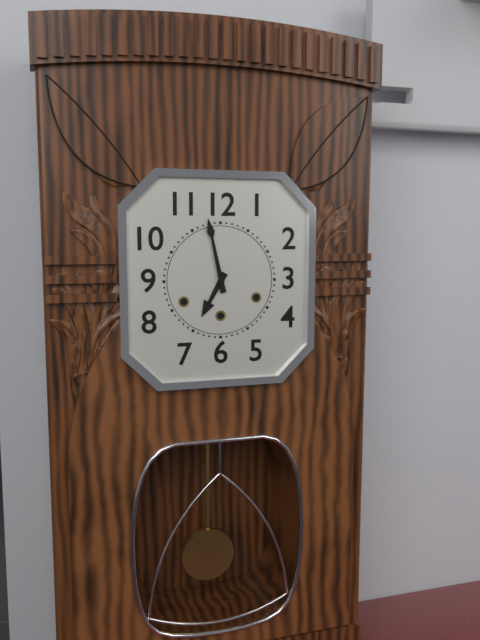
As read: 6h58
